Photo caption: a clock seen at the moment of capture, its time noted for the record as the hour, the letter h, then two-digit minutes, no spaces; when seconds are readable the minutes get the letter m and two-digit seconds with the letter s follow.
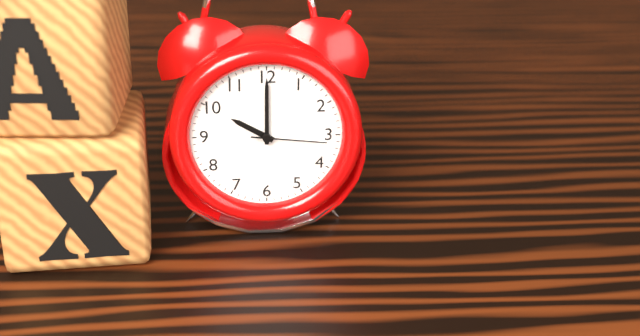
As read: 10h00m16s
